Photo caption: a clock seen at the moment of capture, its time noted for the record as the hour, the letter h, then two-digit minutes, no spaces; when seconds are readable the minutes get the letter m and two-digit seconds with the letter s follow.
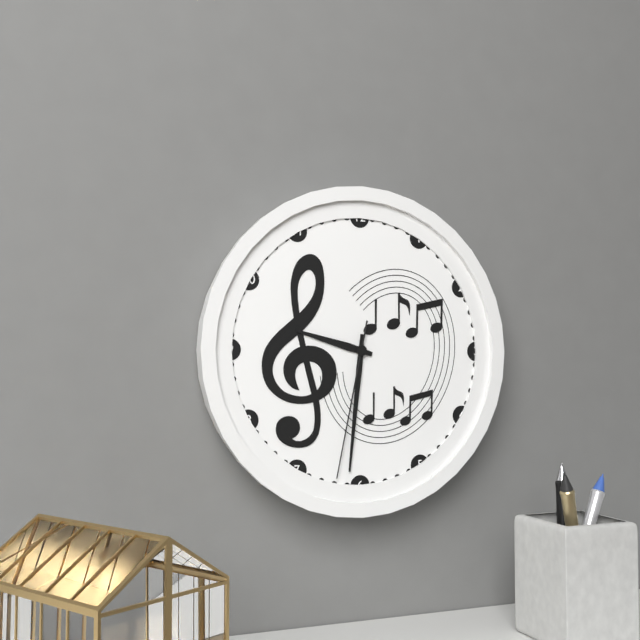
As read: 9h31m32s
